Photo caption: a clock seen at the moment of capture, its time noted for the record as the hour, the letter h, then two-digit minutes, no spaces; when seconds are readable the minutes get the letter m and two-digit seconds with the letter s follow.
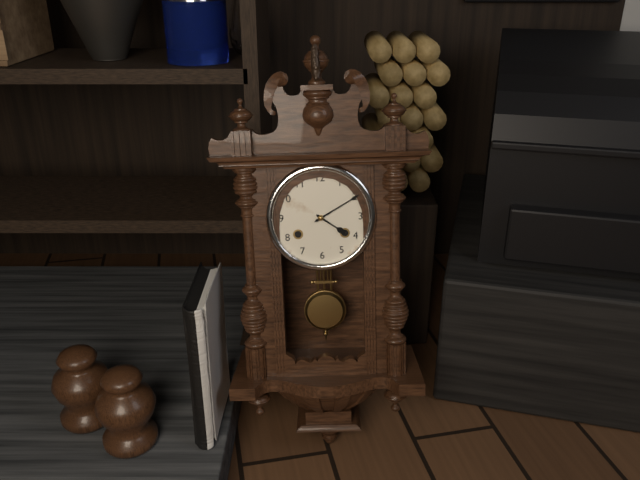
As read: 4h10
